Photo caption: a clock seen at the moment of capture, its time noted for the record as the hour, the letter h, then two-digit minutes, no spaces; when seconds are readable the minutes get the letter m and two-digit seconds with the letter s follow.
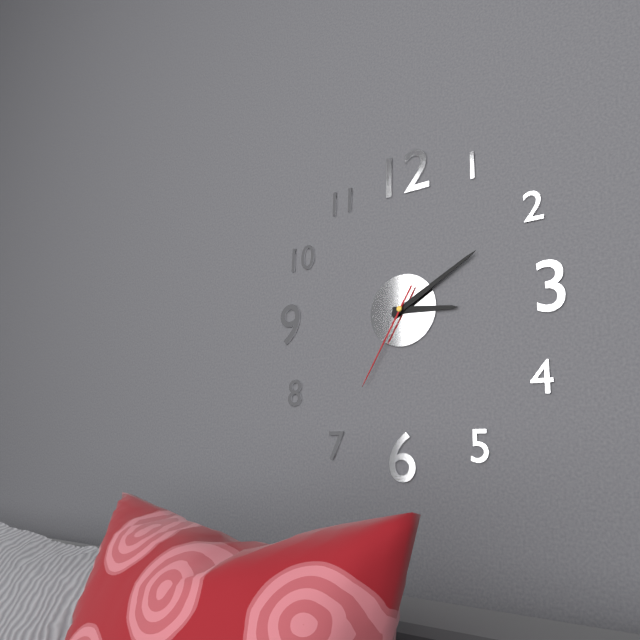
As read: 3h10m35s
